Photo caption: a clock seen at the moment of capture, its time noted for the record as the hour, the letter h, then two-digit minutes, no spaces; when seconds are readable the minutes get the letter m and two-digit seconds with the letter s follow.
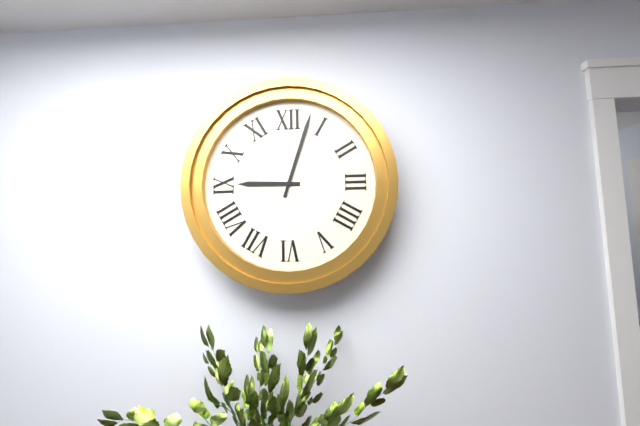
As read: 9h03
